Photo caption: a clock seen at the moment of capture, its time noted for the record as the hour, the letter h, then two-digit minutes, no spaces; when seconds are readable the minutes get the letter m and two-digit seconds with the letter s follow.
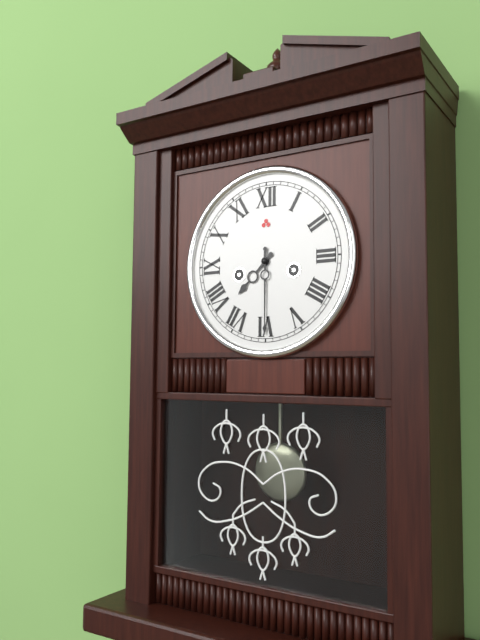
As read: 7h30
